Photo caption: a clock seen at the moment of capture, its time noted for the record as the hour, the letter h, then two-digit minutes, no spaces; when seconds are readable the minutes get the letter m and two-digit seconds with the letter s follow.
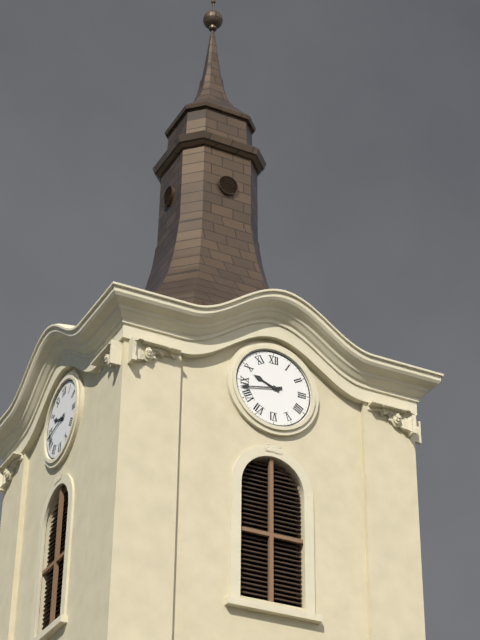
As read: 9h43
